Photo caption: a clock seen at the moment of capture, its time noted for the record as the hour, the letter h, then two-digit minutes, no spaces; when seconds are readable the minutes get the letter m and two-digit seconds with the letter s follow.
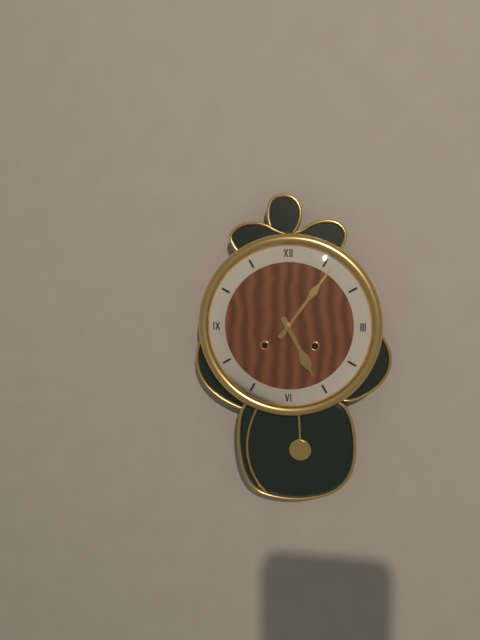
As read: 5h06
